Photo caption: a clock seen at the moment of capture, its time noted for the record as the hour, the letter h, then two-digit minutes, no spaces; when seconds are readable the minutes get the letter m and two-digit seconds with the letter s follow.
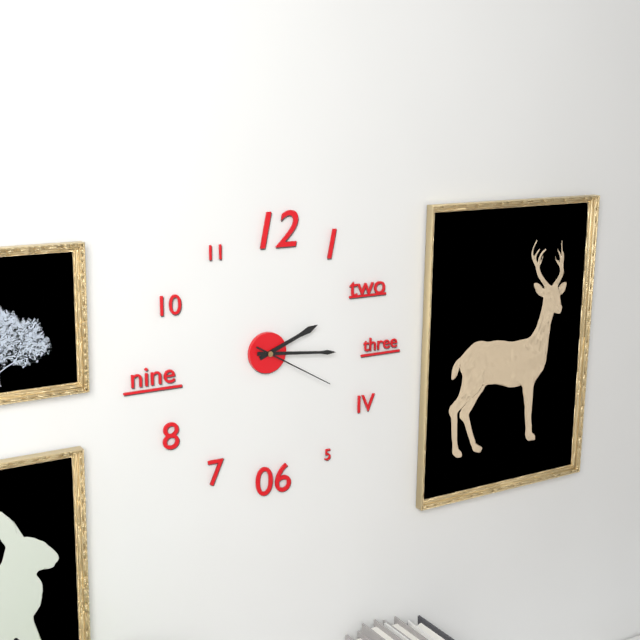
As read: 2h16m20s
